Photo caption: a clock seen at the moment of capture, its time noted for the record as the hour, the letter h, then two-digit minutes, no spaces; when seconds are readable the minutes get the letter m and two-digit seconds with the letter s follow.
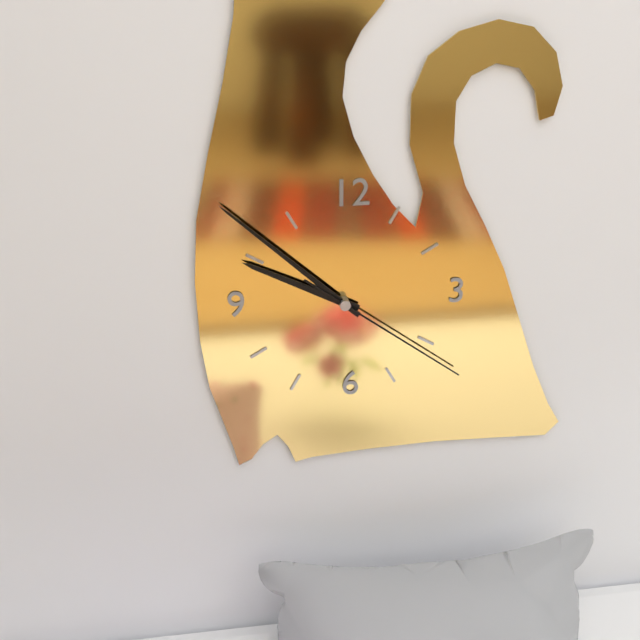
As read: 9h52m21s
